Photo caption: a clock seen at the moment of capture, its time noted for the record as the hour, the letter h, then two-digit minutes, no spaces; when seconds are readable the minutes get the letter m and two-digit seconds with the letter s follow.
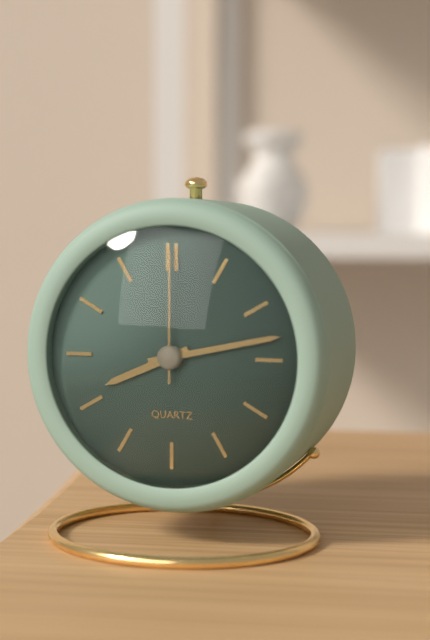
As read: 8h13m00s
